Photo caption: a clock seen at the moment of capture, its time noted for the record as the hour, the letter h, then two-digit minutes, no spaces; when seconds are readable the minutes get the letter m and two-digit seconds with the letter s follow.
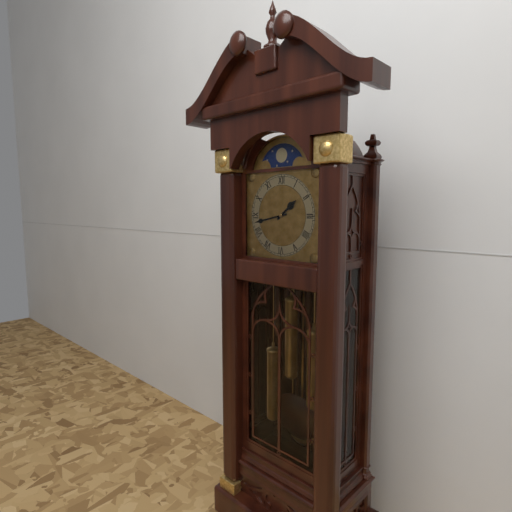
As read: 1h43
